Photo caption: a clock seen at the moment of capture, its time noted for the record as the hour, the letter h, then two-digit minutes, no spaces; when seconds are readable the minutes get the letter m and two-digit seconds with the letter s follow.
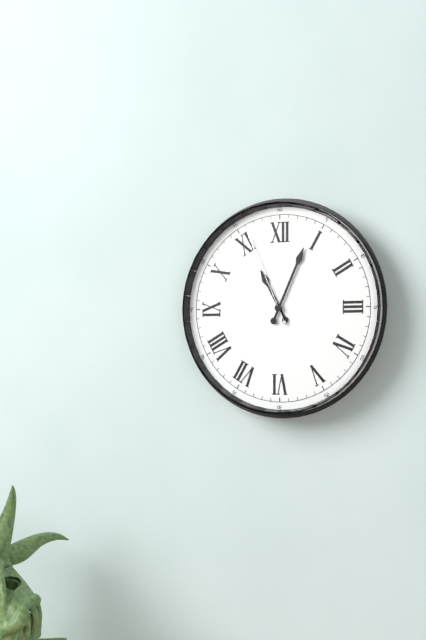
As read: 11h04m56s
